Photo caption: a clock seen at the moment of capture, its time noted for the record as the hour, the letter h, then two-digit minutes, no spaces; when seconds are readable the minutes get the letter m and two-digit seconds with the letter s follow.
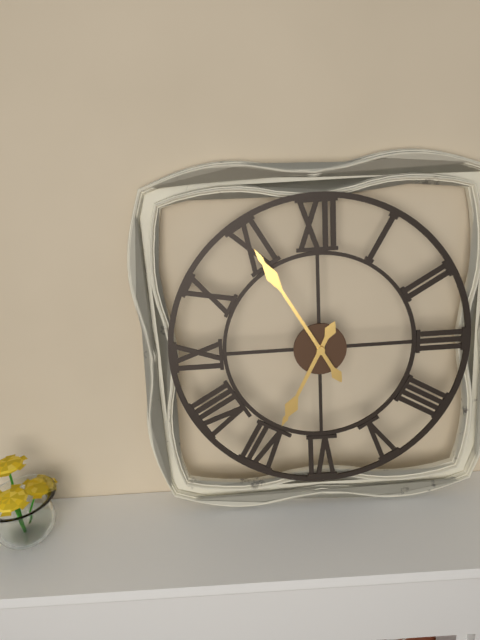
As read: 6h55
